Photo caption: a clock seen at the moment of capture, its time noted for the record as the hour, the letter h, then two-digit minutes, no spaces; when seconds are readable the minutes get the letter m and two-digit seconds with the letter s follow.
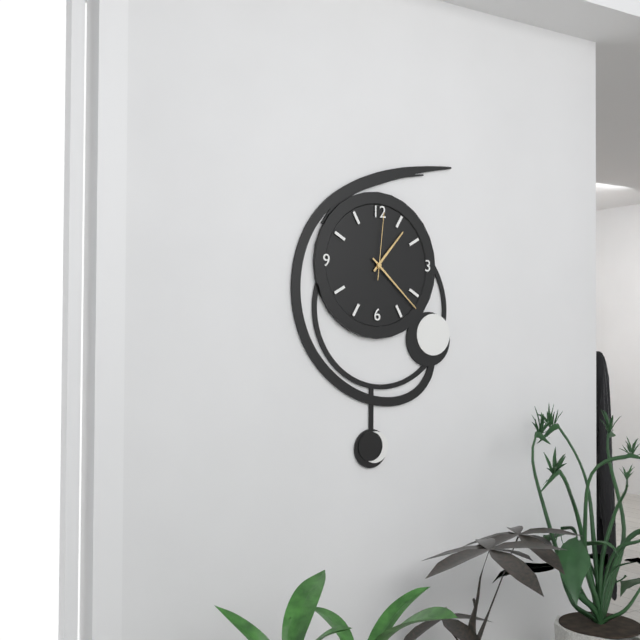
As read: 1h22m01s
